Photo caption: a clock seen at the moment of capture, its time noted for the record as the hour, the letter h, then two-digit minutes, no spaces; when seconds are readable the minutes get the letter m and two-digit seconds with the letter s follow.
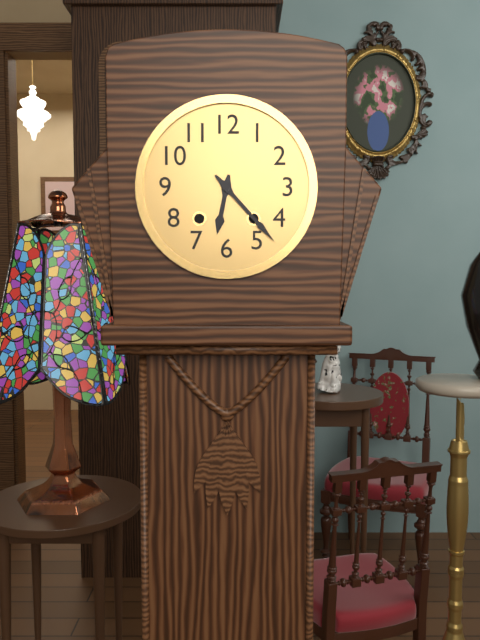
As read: 6h23
